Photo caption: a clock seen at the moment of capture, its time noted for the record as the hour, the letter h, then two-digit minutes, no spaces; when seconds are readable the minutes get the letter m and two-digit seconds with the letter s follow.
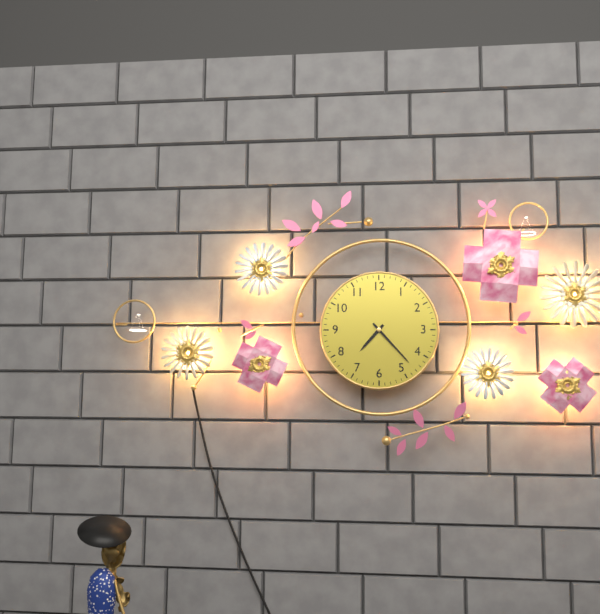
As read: 7h23
